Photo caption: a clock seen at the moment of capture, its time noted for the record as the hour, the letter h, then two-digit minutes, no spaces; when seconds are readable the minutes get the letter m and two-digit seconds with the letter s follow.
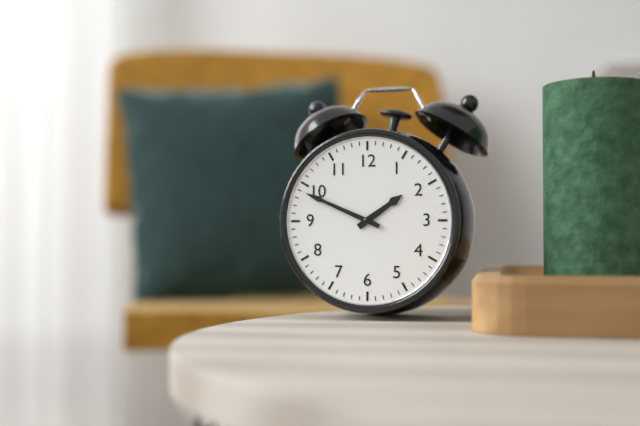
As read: 1h49
